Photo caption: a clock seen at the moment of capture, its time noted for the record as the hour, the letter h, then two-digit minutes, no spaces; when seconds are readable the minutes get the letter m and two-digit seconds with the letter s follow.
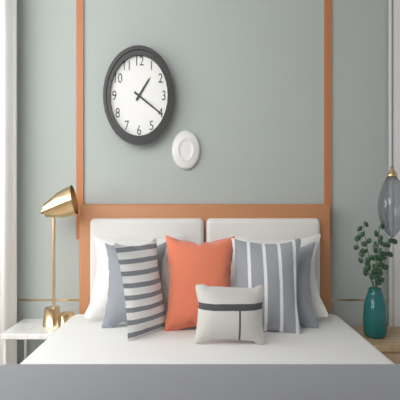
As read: 1h20
